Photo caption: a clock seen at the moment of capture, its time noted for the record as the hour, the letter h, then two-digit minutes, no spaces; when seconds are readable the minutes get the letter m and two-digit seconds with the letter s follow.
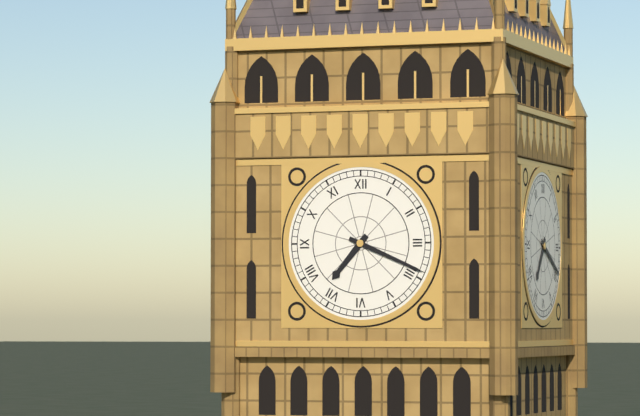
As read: 7h19
